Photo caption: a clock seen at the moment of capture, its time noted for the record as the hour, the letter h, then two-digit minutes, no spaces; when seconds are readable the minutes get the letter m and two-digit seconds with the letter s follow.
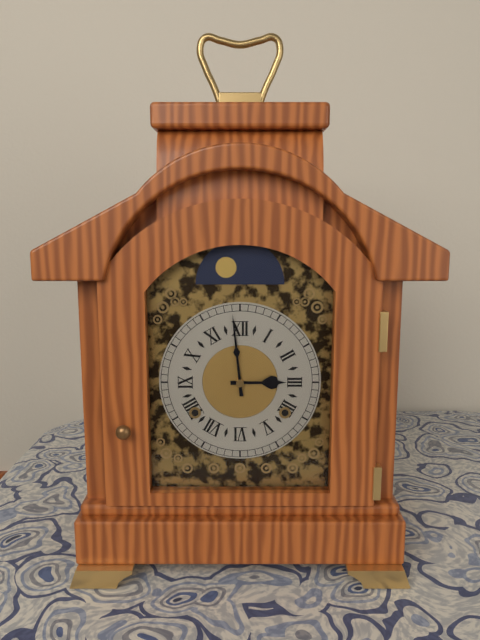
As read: 2h59
